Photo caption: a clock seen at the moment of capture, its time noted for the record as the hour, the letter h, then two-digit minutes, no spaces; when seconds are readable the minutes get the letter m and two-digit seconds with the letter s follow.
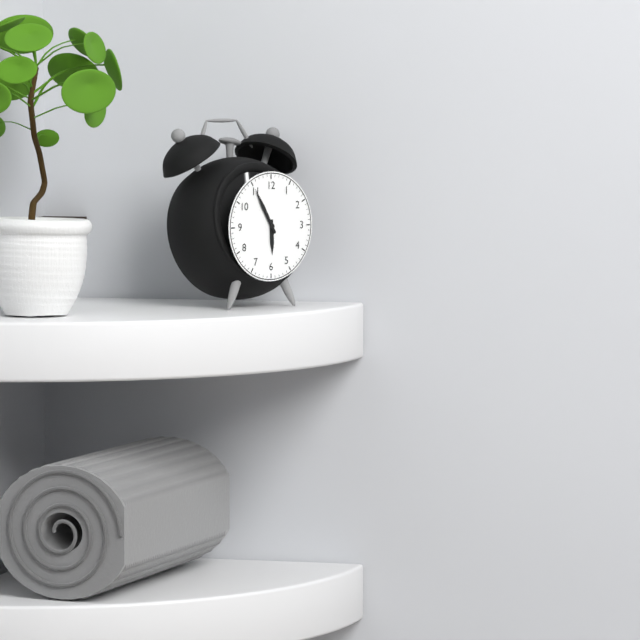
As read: 5h55
